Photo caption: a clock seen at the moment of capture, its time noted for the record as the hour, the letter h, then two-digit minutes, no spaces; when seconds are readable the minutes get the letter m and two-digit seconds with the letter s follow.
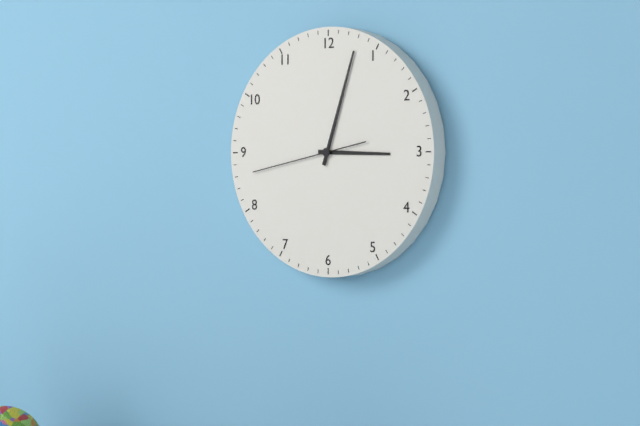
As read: 3h03m43s
